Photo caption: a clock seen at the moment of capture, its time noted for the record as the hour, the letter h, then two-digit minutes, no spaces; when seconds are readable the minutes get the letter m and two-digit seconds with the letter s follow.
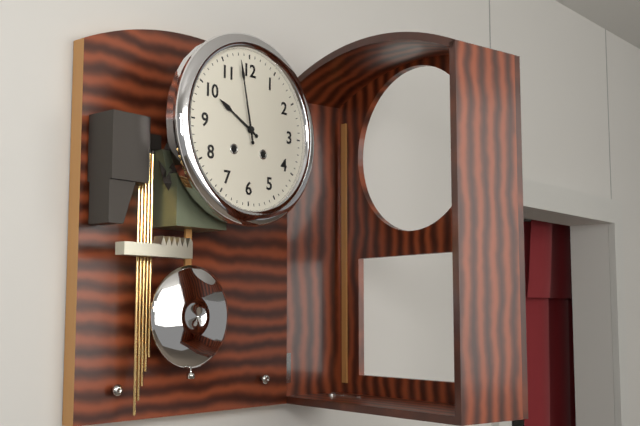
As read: 9h58
